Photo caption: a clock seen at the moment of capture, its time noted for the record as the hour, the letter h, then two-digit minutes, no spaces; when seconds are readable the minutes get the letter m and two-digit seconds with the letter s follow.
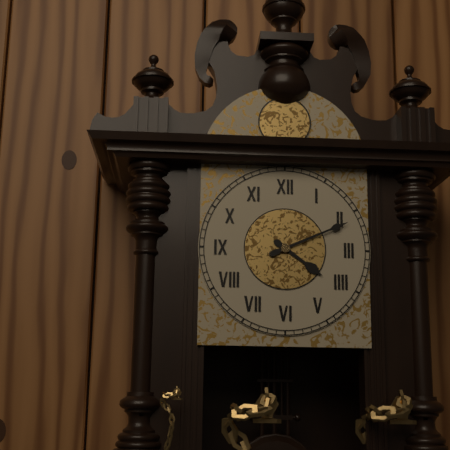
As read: 4h11
